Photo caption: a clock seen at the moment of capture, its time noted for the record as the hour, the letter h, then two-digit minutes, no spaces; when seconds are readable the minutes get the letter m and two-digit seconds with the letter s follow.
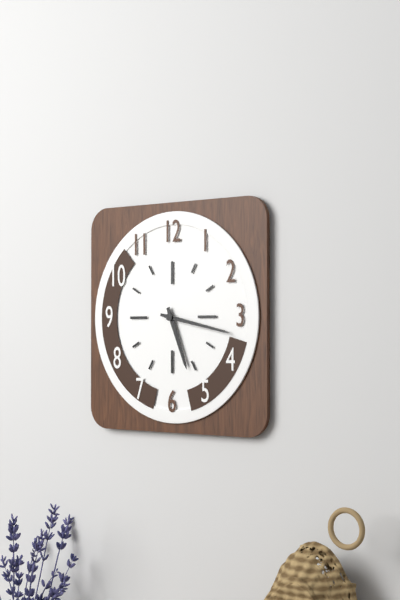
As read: 5h17
